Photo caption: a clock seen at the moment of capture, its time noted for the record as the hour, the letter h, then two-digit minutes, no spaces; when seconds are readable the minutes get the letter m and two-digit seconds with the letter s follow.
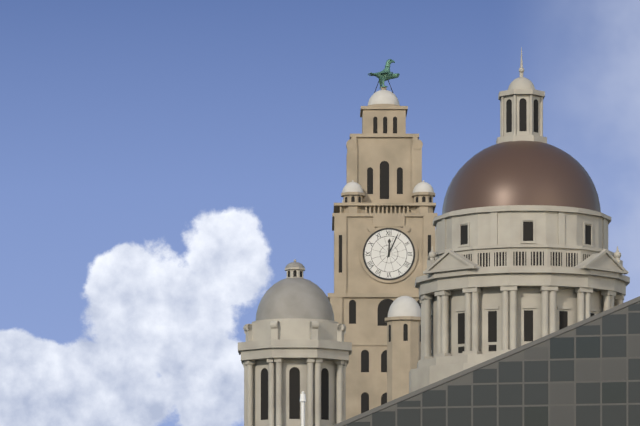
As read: 12h04
